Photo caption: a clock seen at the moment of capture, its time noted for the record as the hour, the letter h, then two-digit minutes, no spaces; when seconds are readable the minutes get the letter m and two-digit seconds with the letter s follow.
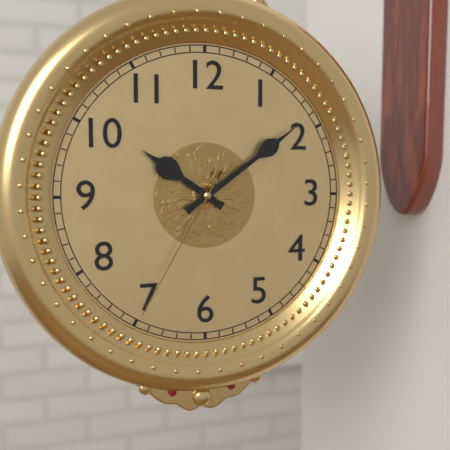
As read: 10h09m35s
